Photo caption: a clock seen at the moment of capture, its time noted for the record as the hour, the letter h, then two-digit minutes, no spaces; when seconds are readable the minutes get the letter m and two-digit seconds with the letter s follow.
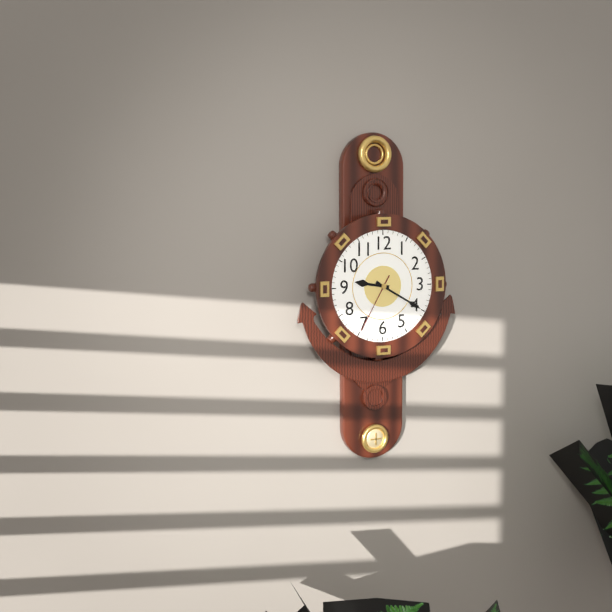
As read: 9h20m35s
